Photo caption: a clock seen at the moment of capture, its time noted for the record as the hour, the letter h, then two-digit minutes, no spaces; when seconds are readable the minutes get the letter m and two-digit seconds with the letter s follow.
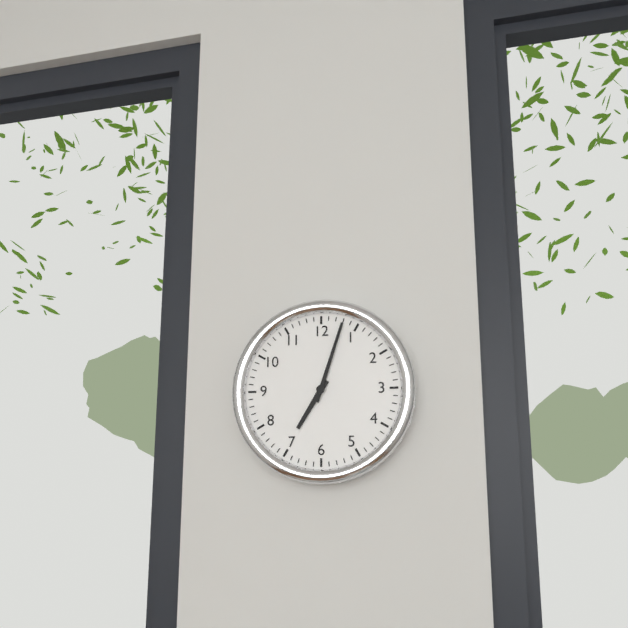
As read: 7h03
